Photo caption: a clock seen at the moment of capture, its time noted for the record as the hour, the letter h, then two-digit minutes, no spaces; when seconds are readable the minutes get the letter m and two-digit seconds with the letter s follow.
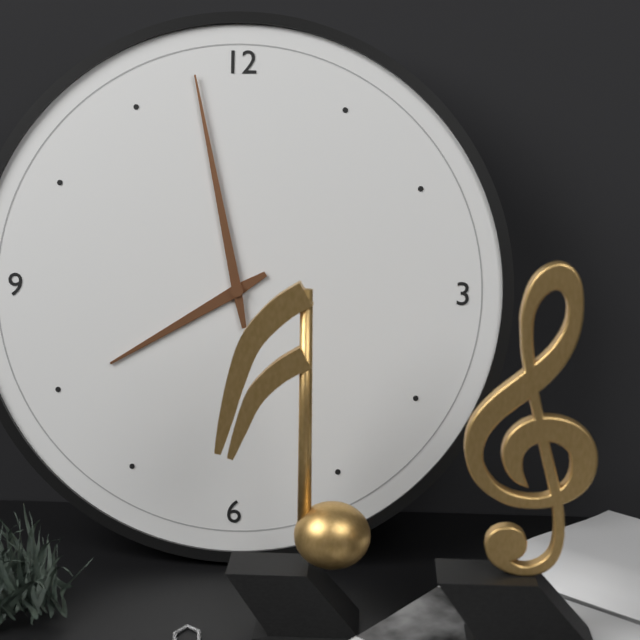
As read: 7h58
